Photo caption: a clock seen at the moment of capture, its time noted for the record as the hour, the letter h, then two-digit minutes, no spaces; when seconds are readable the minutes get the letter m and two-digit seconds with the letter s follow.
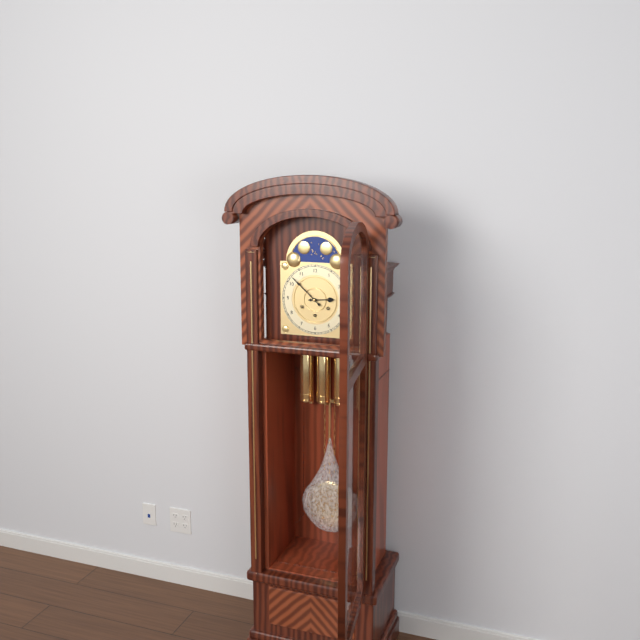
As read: 2h52
